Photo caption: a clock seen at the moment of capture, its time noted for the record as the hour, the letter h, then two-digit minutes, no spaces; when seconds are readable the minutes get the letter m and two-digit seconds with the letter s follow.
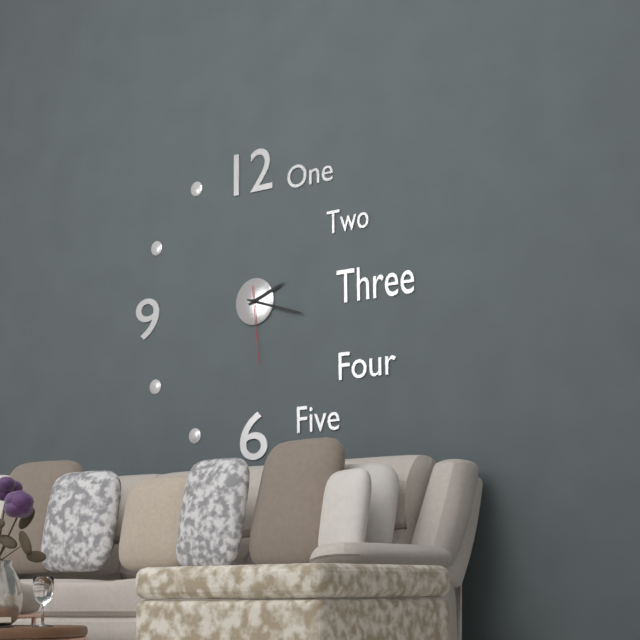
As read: 2h18m29s
